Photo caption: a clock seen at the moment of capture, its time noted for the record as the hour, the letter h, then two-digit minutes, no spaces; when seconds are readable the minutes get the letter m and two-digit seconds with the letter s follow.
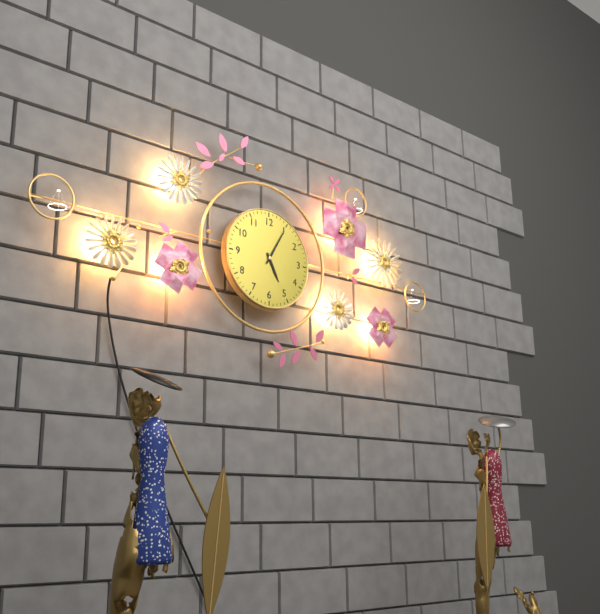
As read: 5h05
